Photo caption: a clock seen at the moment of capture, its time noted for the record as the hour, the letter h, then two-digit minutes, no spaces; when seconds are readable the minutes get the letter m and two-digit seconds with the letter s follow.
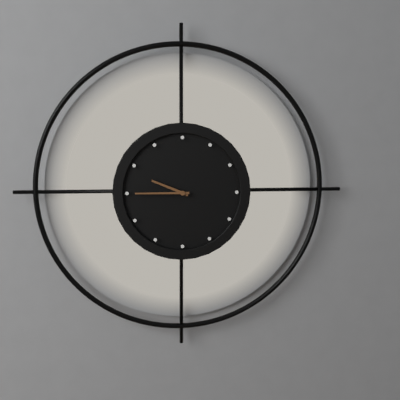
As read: 9h45
